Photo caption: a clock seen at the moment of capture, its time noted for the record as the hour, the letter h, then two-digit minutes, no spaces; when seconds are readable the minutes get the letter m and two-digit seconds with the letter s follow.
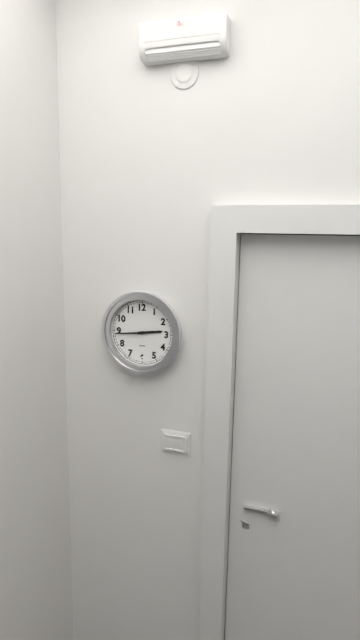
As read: 2h44
